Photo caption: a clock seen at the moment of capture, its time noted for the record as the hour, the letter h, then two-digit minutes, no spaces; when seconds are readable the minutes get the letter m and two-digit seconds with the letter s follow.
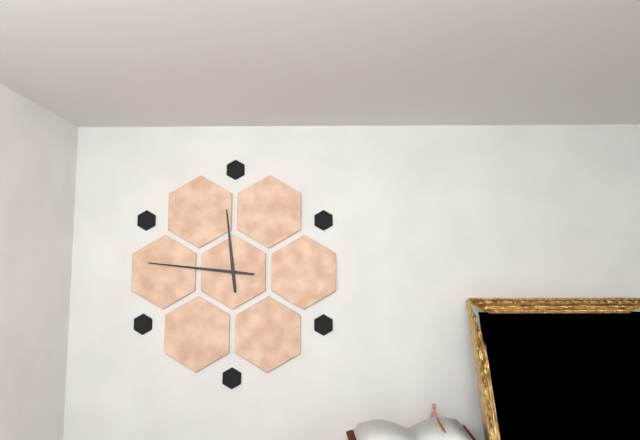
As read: 11h46
